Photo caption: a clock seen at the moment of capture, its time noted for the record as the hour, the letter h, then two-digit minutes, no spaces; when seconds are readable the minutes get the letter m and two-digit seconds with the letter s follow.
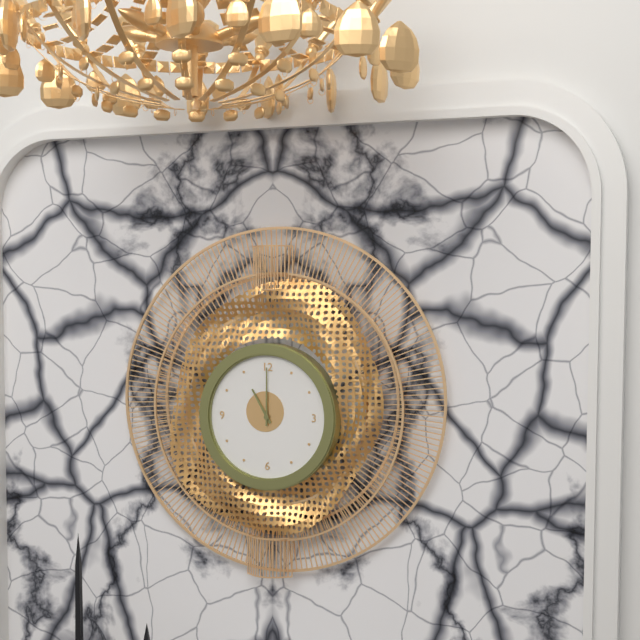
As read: 11h00
